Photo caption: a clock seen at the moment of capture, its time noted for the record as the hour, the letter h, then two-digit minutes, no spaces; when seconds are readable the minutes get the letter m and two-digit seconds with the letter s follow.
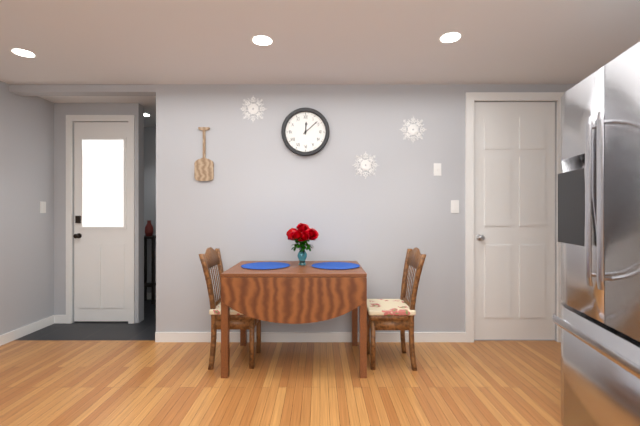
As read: 12h08
